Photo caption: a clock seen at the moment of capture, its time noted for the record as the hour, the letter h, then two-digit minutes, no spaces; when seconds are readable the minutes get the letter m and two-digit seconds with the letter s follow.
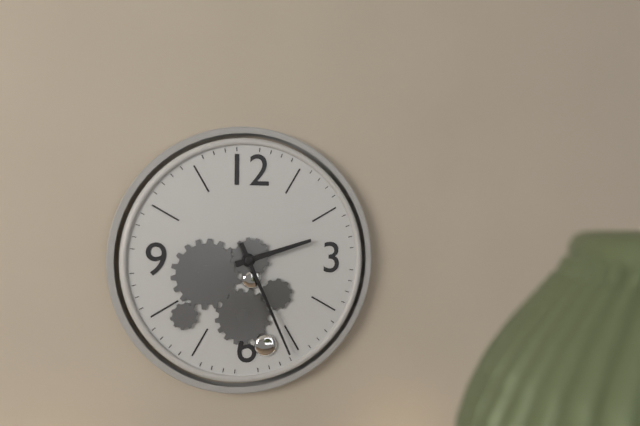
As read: 2h26
